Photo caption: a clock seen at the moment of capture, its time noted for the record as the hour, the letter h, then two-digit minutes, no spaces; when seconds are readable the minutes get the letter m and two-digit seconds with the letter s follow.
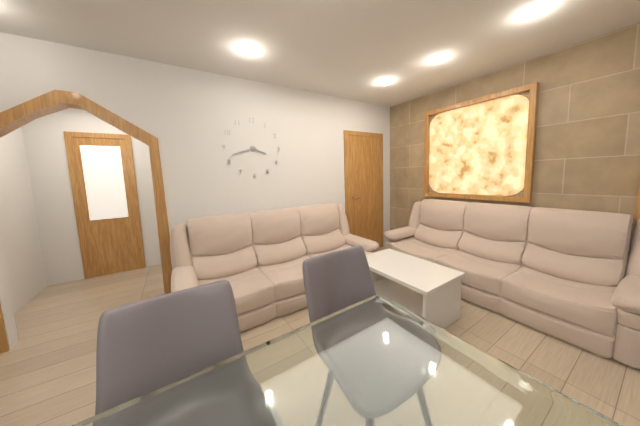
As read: 3h42
